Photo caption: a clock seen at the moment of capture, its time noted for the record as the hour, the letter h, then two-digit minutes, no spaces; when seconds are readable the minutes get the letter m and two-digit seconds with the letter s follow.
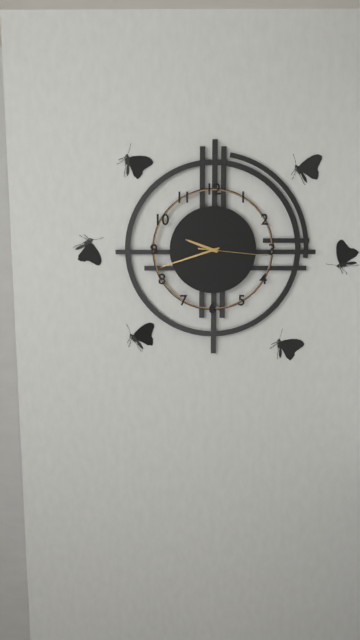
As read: 9h42m16s
